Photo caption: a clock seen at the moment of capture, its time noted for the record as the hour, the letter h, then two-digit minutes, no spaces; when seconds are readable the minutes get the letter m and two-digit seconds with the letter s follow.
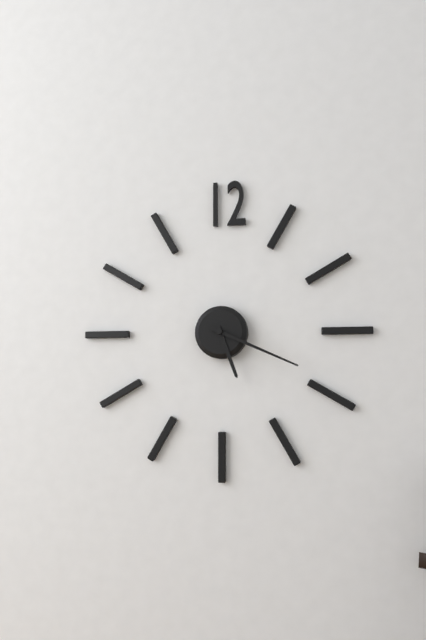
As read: 5h19
